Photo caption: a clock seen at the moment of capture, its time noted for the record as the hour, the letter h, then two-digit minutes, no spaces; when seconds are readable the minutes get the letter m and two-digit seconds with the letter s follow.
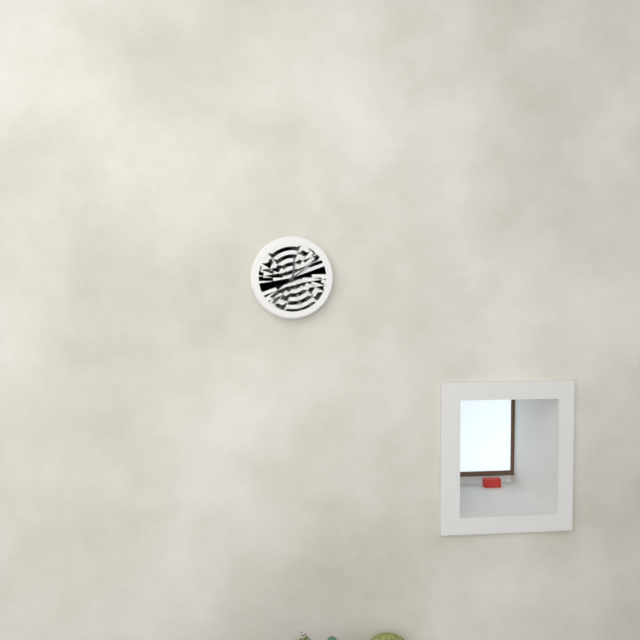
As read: 12h09
